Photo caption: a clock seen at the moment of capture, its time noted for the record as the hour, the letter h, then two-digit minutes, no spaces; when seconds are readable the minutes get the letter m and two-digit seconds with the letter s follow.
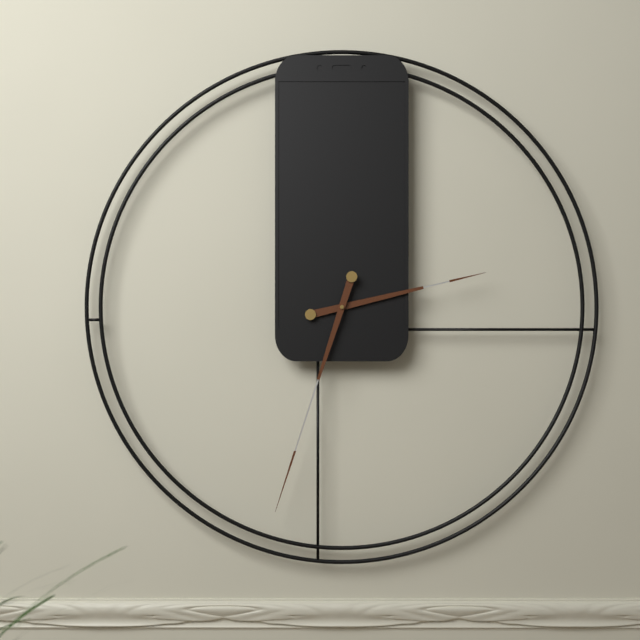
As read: 2h33
